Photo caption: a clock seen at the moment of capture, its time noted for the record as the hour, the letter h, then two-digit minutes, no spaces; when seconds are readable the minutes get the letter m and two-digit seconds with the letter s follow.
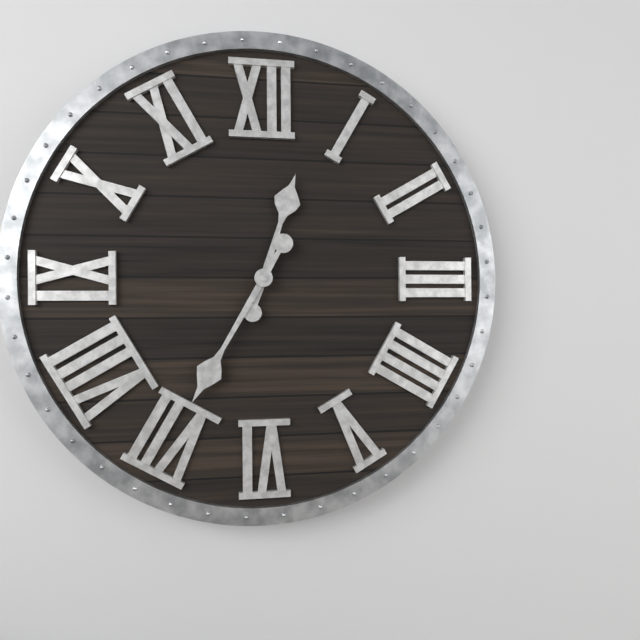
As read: 12h35
